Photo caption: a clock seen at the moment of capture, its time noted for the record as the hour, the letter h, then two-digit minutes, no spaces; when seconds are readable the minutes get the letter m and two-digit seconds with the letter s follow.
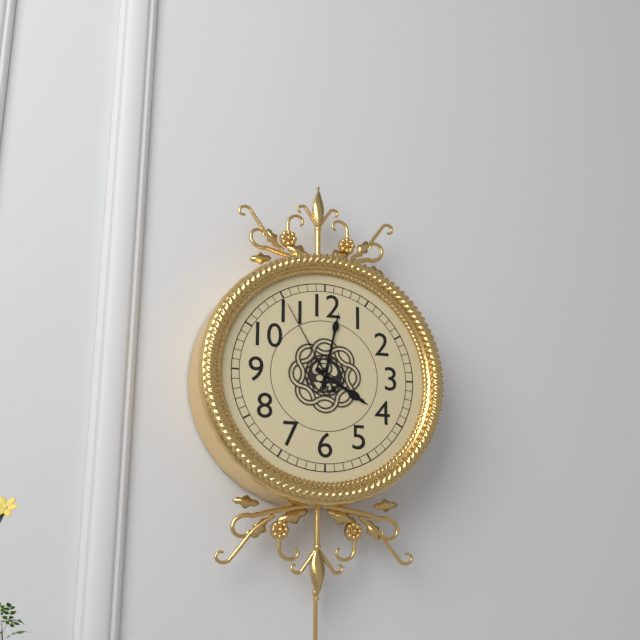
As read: 4h02m55s
